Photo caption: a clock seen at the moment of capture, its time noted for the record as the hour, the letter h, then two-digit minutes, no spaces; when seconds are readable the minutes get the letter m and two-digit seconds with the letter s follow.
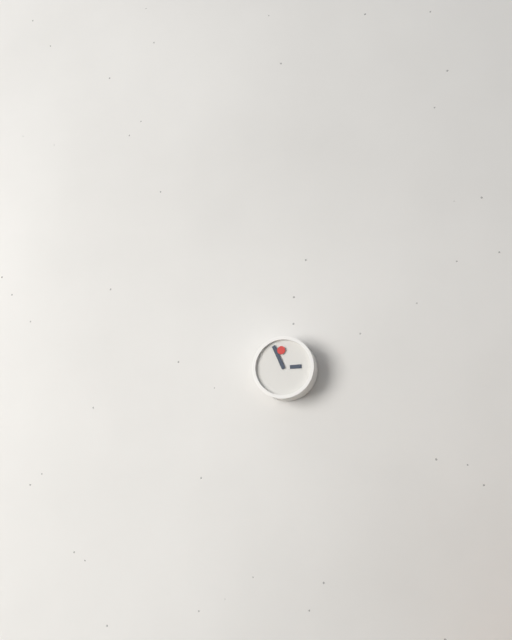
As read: 2h56
